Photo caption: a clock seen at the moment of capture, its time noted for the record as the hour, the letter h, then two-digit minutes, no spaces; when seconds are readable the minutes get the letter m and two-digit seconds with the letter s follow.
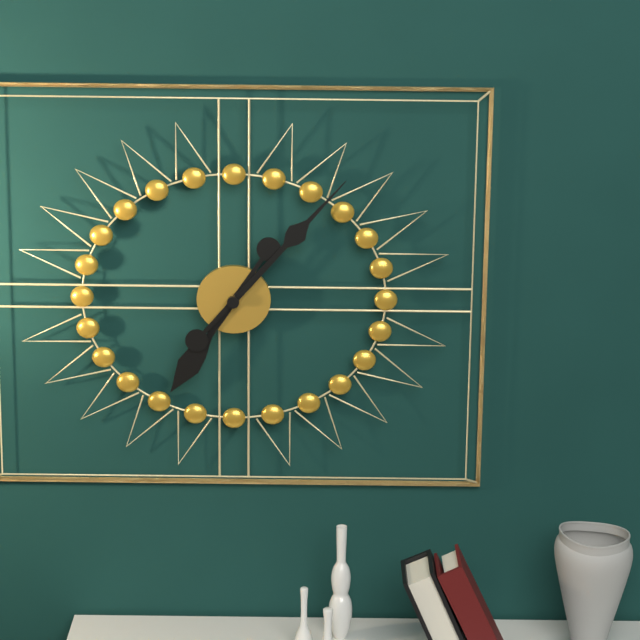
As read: 7h07
